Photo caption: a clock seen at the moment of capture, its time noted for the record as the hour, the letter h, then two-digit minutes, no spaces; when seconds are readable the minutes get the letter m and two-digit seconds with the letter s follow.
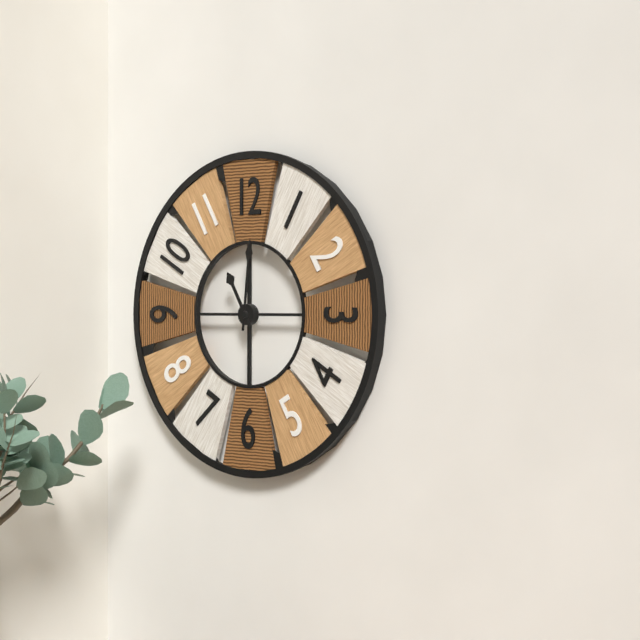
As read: 11h01
